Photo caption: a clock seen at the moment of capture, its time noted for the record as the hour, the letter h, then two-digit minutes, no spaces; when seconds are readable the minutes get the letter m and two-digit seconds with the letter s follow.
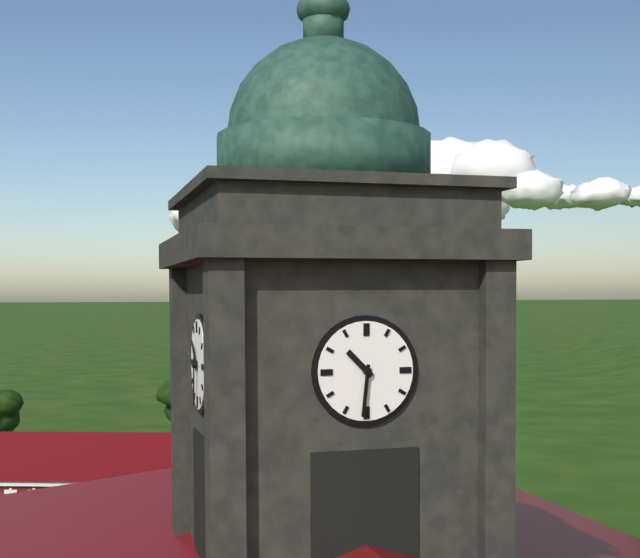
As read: 10h31
